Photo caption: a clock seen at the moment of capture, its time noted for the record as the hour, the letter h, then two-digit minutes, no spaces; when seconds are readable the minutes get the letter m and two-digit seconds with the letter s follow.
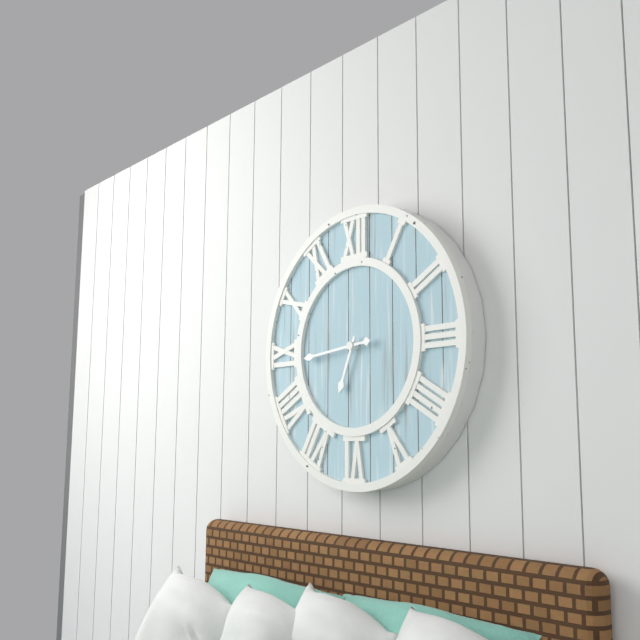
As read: 6h44
